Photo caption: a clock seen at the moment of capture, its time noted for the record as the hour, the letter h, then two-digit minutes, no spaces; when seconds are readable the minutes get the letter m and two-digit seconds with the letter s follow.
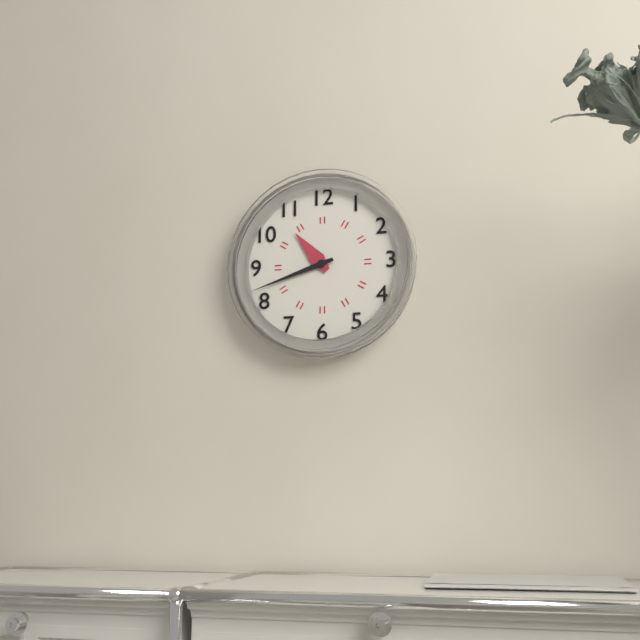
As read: 10h42
